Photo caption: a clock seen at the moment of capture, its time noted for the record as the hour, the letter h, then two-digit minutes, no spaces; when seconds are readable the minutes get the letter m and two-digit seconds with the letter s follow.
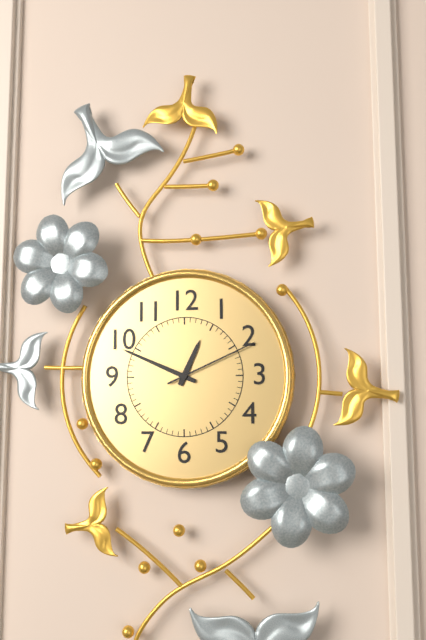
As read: 12h49m11s
